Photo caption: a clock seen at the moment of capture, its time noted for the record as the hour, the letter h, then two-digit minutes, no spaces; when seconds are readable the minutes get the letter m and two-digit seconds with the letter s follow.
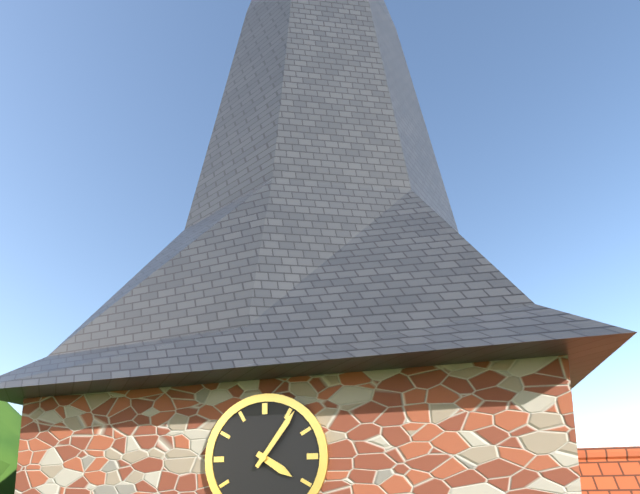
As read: 4h06
